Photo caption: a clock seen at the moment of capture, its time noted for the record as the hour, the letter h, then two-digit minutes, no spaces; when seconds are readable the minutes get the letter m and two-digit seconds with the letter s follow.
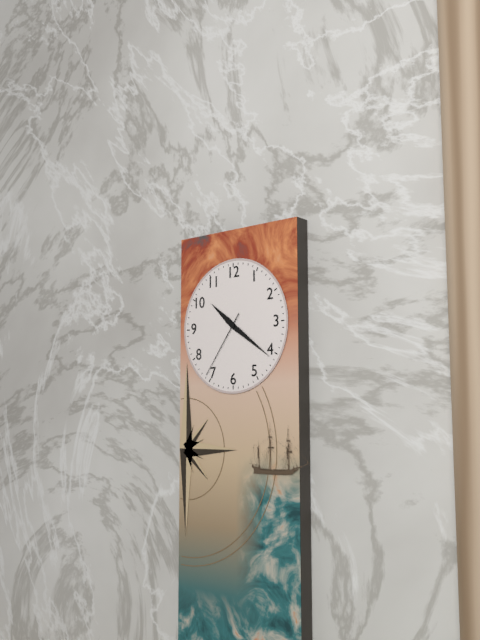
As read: 10h21m36s
